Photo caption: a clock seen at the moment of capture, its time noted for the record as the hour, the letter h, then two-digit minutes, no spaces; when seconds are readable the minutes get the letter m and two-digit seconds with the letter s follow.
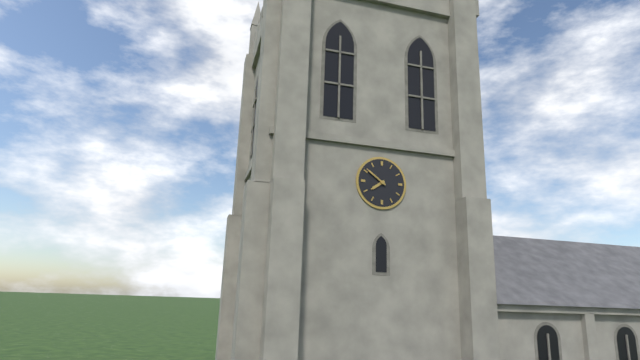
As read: 7h51
